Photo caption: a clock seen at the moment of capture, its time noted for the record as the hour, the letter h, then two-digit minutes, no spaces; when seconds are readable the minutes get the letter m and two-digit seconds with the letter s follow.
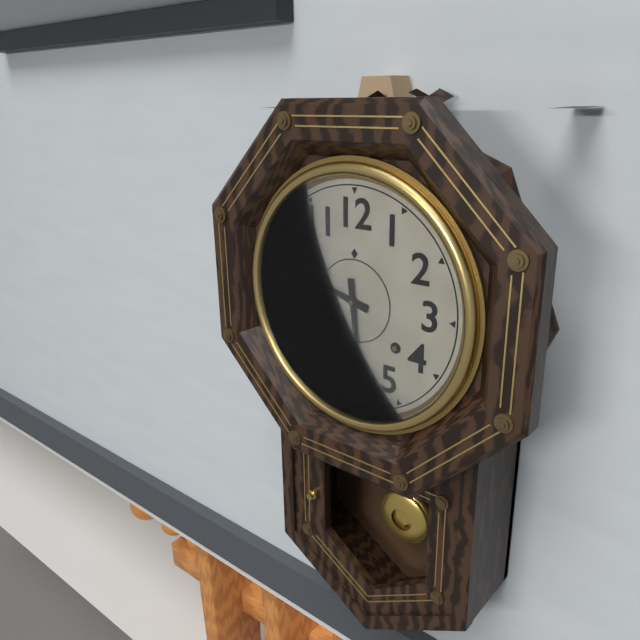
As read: 9h29
